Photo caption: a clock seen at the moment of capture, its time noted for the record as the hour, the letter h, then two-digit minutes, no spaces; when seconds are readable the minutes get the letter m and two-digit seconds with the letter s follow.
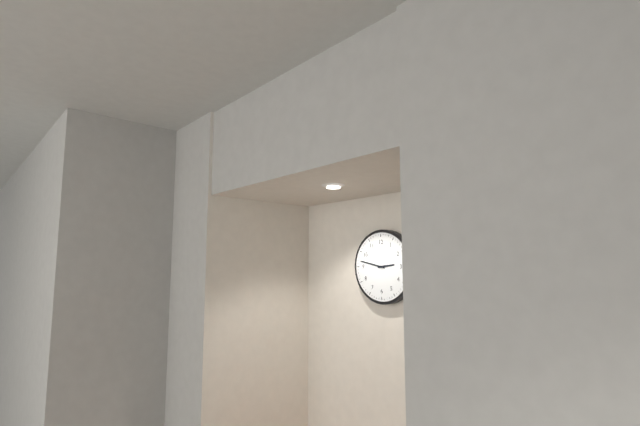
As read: 2h47
